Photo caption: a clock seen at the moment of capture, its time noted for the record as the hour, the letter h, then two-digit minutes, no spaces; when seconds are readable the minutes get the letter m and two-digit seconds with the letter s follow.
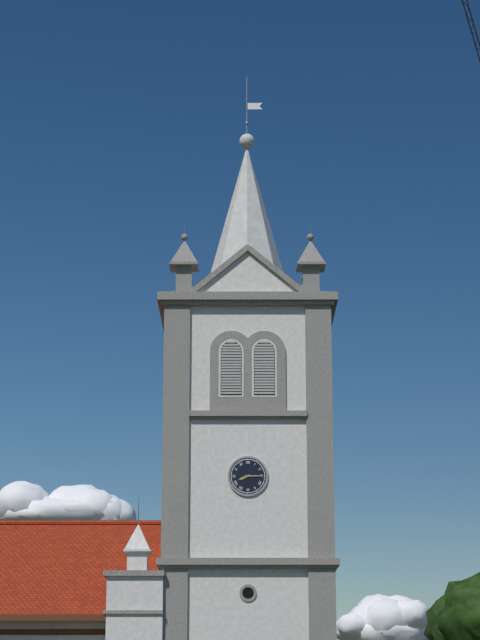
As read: 8h15
